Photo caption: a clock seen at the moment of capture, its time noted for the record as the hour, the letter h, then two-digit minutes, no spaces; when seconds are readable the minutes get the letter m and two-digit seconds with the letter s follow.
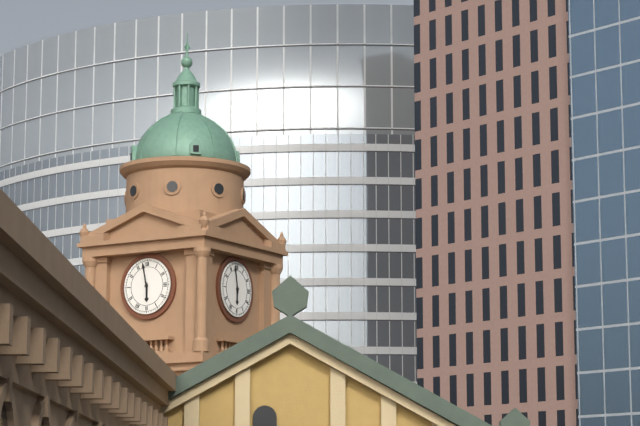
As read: 5h58
